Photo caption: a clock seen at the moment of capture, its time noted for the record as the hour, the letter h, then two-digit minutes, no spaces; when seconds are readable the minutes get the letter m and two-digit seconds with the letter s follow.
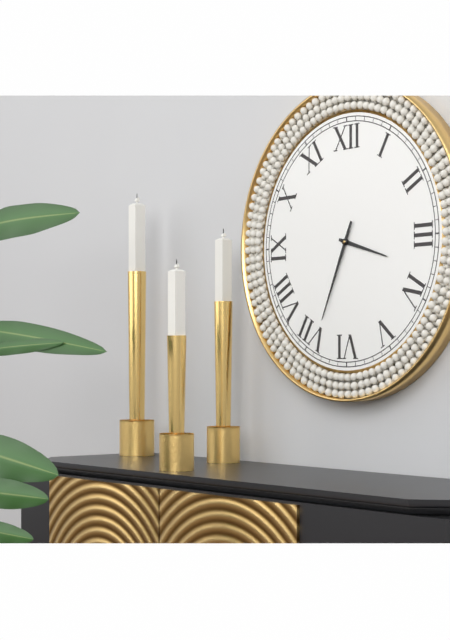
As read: 3h34
